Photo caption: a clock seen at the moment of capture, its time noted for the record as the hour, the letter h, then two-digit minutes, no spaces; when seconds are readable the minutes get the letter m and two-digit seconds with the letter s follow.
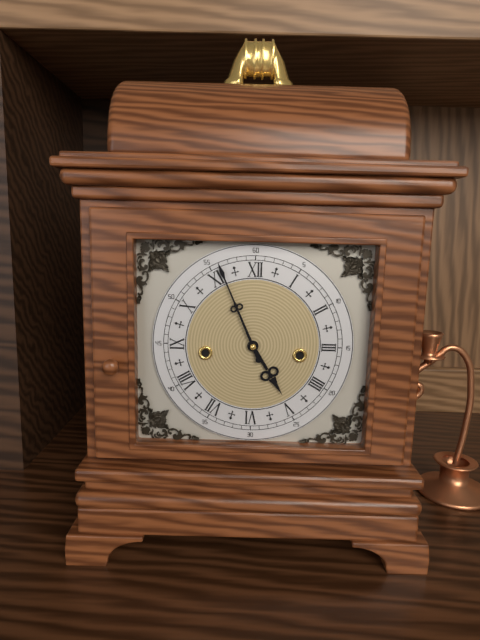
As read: 4h56
